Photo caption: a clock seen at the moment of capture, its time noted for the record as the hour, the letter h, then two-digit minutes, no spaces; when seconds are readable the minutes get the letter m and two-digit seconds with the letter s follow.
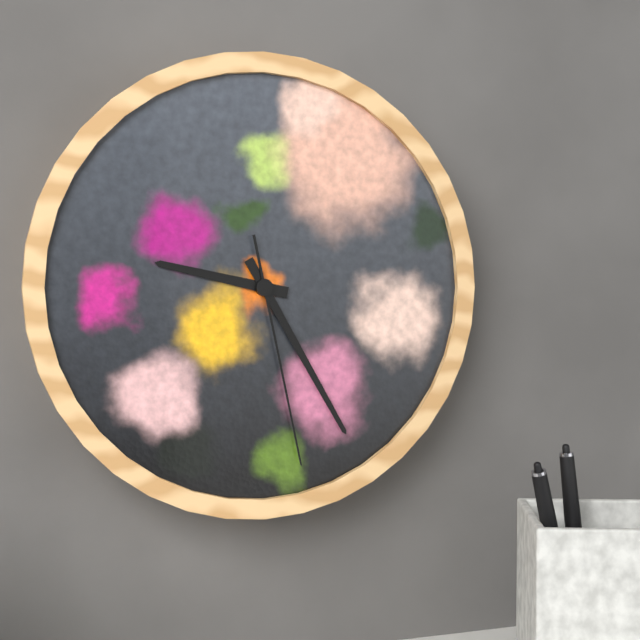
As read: 9h25m28s
